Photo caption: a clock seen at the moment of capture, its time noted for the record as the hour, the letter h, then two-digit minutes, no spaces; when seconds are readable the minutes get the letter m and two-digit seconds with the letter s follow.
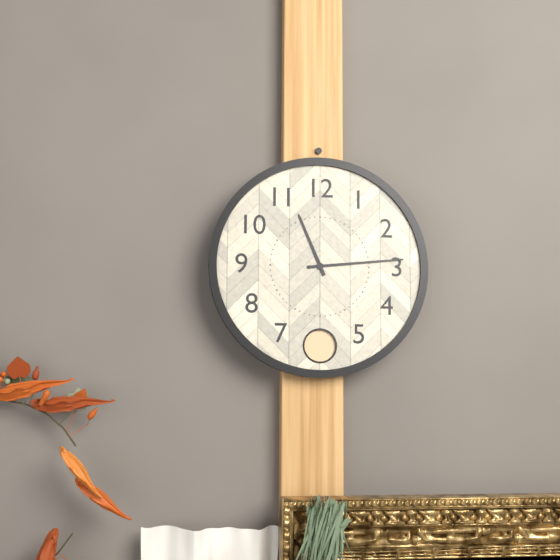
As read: 11h14
